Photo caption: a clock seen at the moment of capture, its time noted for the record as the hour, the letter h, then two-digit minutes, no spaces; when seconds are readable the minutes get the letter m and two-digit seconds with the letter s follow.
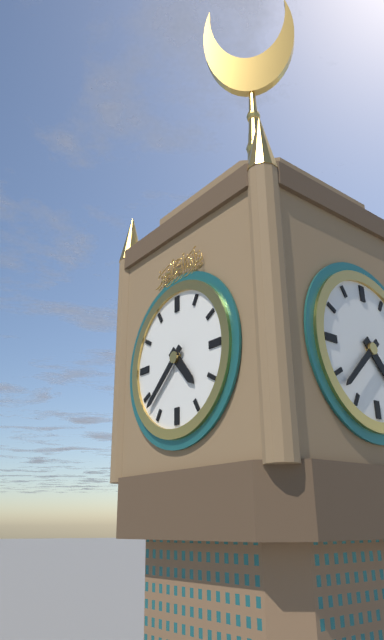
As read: 4h38
